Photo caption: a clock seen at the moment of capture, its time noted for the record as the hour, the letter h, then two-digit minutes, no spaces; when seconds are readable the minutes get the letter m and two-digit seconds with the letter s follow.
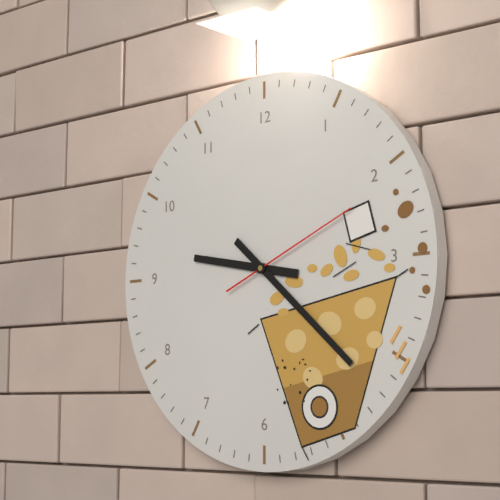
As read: 9h22m11s
